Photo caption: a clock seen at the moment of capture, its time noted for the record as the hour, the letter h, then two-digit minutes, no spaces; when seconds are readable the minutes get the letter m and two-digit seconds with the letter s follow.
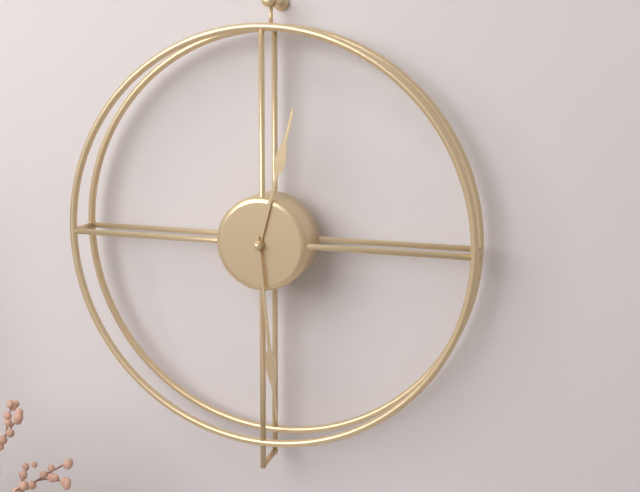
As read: 12h29
